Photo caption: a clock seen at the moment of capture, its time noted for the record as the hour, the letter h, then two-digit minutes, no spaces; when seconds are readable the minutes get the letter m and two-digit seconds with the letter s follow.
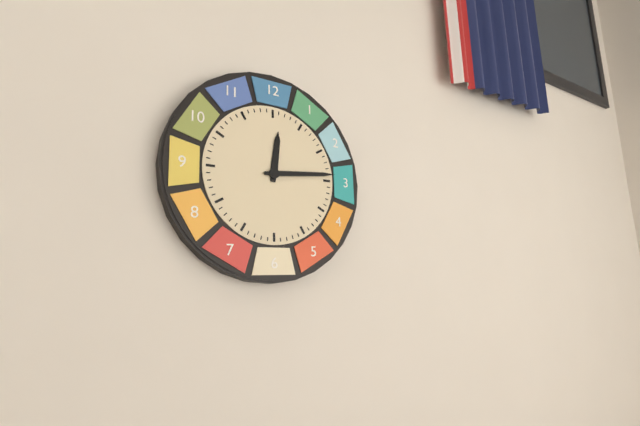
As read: 12h14
